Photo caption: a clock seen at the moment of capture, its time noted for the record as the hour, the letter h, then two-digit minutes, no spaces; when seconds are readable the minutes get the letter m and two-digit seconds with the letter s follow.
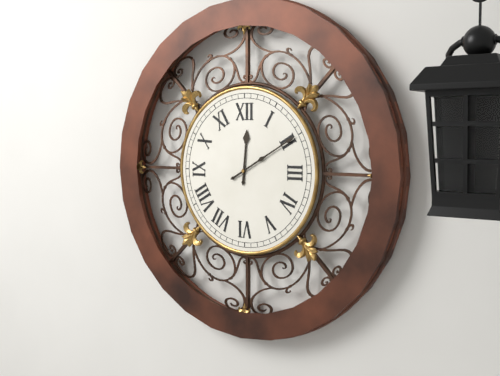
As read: 12h10
